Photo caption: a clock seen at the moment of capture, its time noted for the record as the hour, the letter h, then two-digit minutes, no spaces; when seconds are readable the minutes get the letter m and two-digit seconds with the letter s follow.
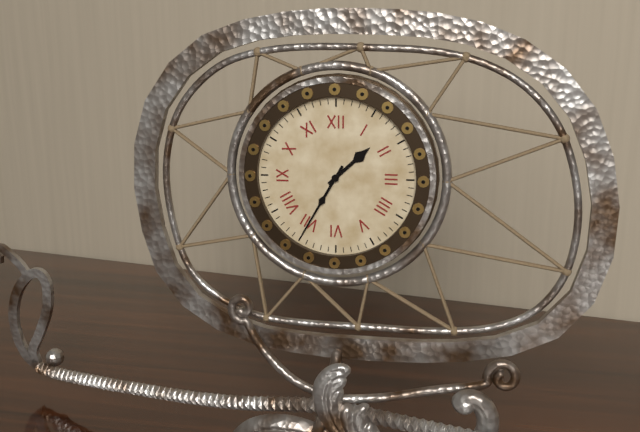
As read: 1h35
